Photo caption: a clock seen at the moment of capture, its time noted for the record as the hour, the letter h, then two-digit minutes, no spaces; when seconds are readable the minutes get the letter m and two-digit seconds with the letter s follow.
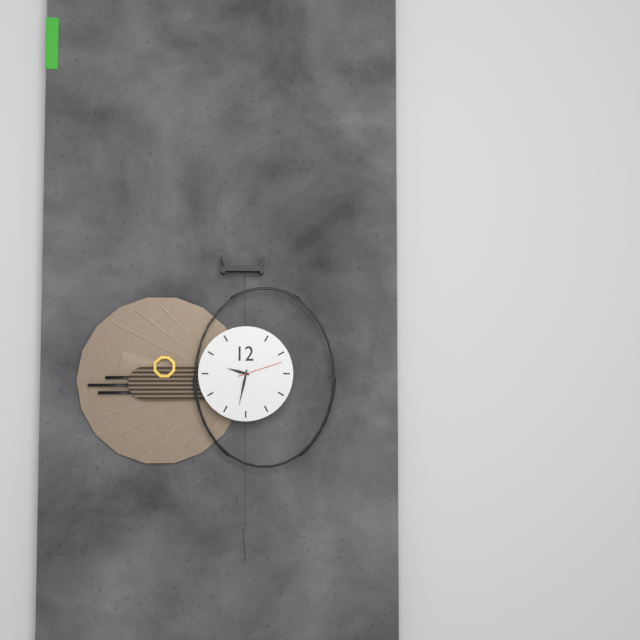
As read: 9h32
